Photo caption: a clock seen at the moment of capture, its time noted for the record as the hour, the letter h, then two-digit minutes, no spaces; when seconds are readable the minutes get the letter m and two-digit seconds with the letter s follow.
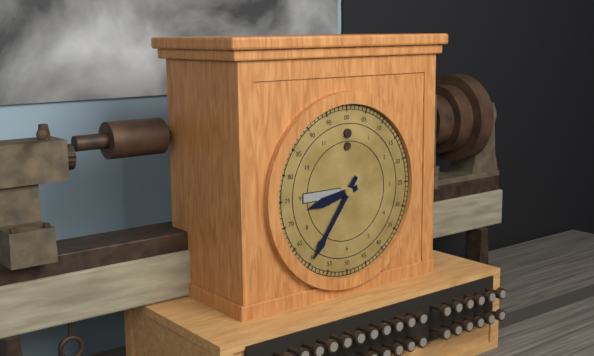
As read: 8h36
